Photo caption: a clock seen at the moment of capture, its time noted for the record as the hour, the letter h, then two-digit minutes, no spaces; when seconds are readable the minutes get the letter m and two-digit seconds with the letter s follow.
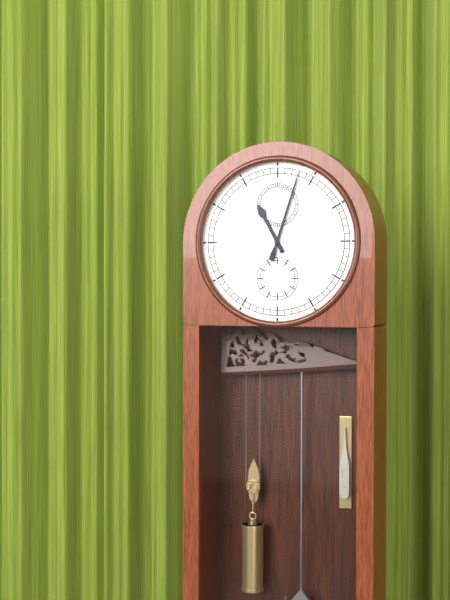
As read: 11h03
